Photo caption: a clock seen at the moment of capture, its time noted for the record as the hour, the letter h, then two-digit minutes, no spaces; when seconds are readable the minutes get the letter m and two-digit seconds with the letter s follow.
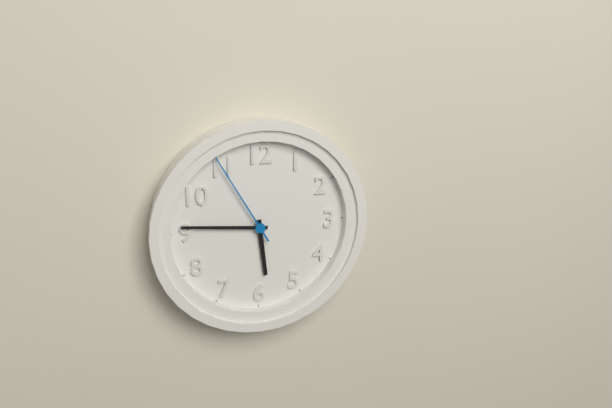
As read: 5h46m55s
